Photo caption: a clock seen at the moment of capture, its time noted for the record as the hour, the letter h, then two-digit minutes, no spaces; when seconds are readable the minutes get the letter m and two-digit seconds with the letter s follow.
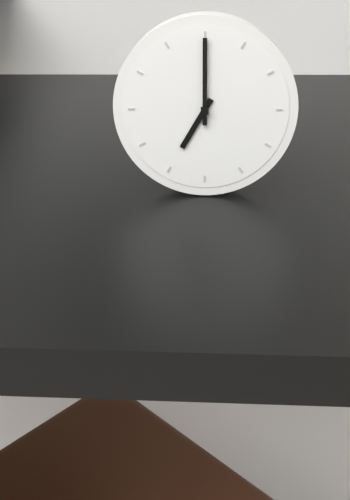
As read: 7h00
